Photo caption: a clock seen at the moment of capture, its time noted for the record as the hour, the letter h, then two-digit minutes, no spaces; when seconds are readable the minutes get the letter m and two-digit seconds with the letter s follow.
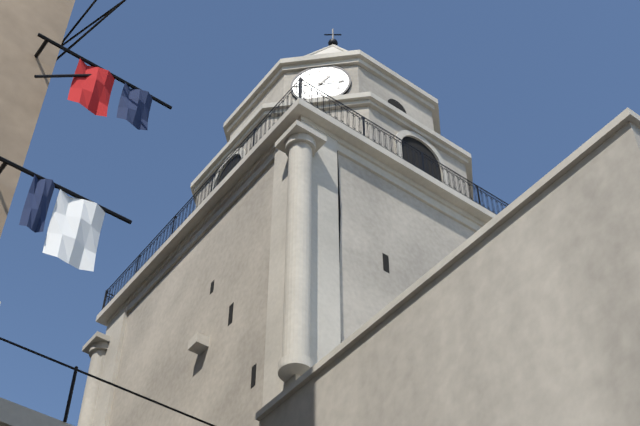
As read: 1h15
